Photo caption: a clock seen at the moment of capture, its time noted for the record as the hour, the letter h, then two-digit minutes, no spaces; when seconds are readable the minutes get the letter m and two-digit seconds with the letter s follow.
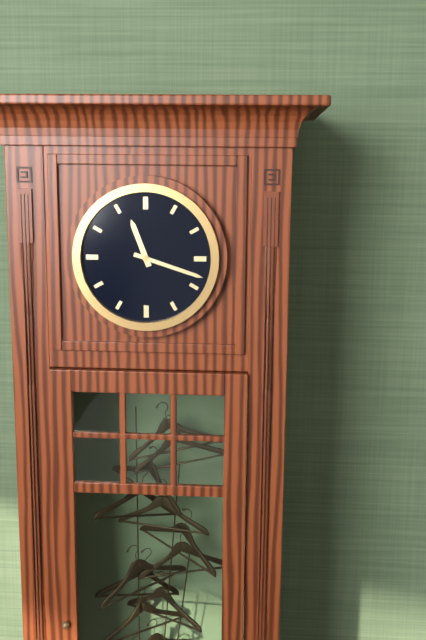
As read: 11h18
